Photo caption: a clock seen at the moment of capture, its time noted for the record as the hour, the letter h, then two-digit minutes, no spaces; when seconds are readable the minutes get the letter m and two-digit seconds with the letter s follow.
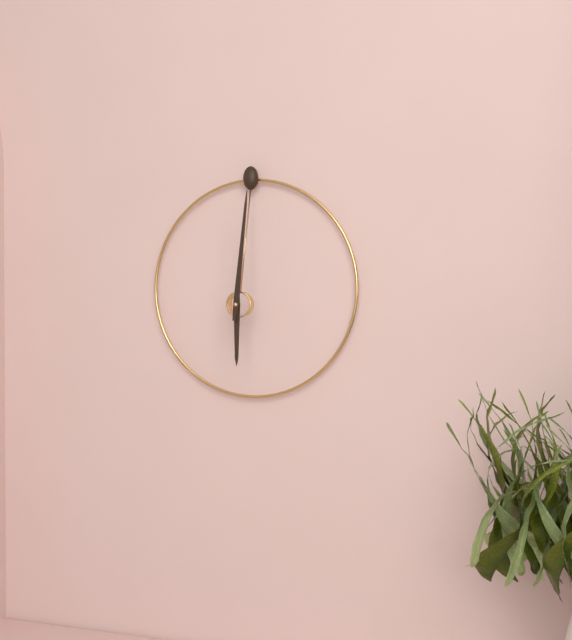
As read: 6h01
